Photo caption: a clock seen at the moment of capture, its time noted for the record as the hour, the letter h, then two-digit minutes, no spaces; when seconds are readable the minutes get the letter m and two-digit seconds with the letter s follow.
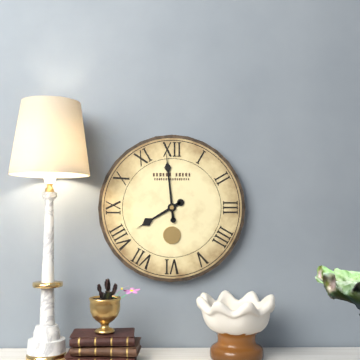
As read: 7h59
